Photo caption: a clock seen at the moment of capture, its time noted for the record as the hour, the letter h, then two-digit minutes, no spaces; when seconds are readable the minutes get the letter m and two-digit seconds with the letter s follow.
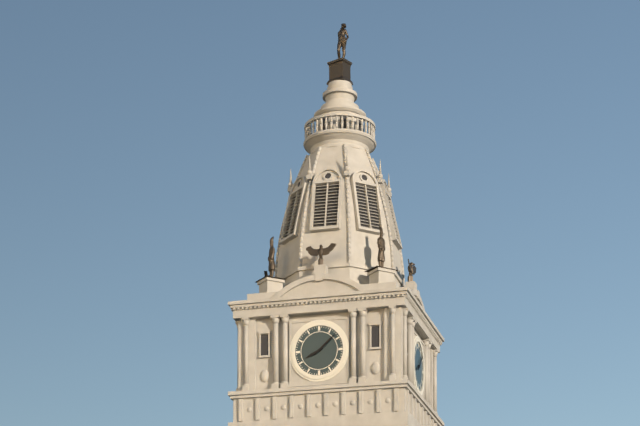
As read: 8h08
